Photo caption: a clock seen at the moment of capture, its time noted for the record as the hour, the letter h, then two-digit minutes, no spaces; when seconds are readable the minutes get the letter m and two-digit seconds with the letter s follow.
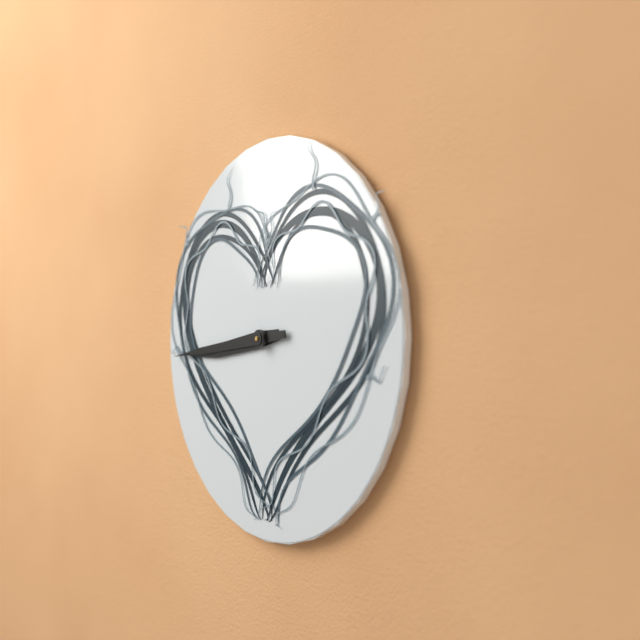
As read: 8h44
